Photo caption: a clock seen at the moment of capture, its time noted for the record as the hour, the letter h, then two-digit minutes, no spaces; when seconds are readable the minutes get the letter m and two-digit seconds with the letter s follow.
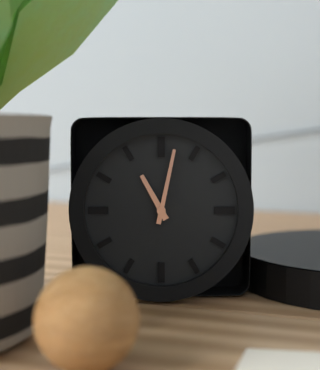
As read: 11h02
